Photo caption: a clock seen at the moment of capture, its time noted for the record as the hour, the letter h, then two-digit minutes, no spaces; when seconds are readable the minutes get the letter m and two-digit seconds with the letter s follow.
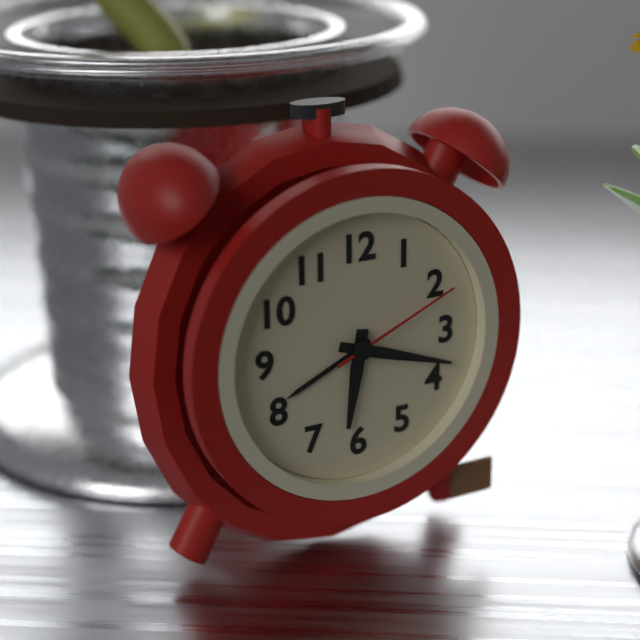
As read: 6h18m11s
